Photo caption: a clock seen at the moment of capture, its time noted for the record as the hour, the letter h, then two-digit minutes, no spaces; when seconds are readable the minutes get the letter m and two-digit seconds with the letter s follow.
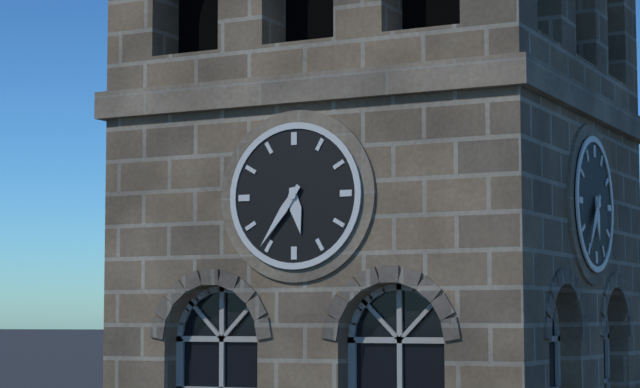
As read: 5h36
